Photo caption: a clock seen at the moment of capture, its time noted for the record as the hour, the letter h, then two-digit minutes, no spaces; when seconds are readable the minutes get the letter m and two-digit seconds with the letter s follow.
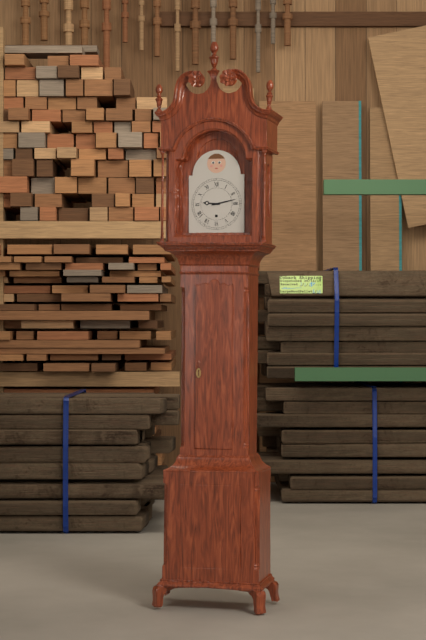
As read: 9h13
